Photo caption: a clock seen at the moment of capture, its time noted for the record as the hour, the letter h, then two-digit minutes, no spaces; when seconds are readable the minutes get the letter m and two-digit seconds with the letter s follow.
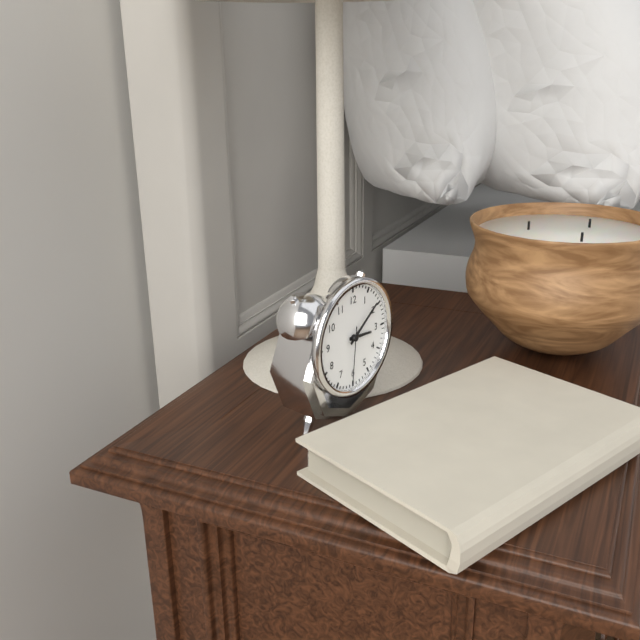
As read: 3h09m31s
